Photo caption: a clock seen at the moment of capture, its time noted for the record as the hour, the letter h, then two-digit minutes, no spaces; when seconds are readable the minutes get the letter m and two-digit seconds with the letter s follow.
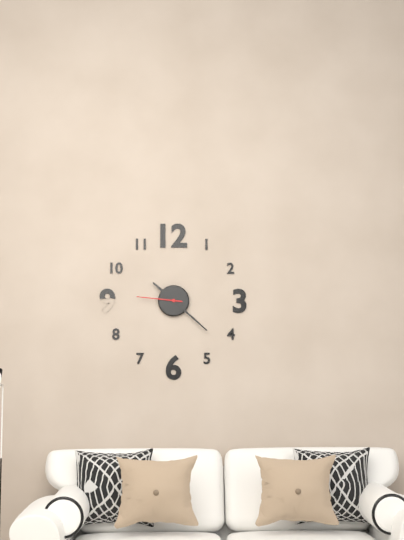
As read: 10h22
